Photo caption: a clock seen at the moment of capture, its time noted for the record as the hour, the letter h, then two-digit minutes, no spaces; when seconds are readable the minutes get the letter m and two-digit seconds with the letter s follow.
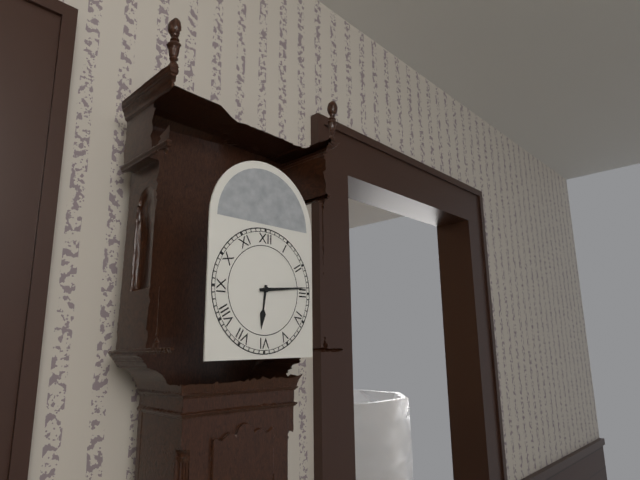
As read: 6h14
